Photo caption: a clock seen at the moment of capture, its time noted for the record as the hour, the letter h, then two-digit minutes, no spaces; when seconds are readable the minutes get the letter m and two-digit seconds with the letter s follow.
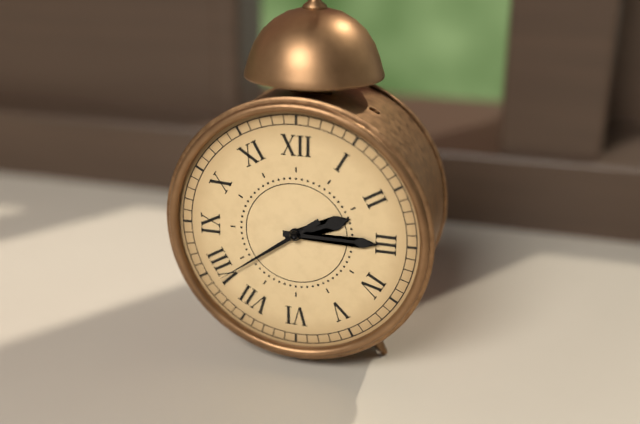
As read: 2h15m39s
